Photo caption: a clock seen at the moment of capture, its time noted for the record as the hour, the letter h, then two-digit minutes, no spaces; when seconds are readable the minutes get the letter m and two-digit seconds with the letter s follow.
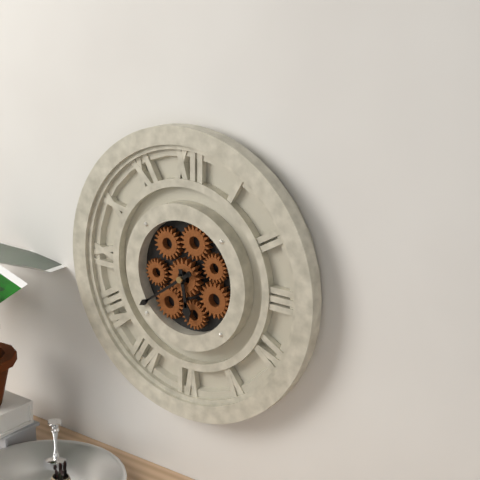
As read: 5h39
